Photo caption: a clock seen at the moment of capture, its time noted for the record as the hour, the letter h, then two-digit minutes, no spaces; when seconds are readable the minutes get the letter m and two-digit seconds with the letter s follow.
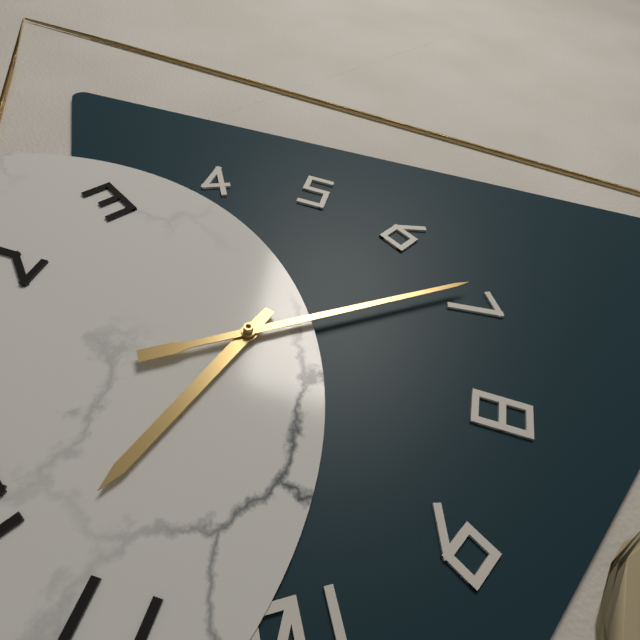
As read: 11h34
